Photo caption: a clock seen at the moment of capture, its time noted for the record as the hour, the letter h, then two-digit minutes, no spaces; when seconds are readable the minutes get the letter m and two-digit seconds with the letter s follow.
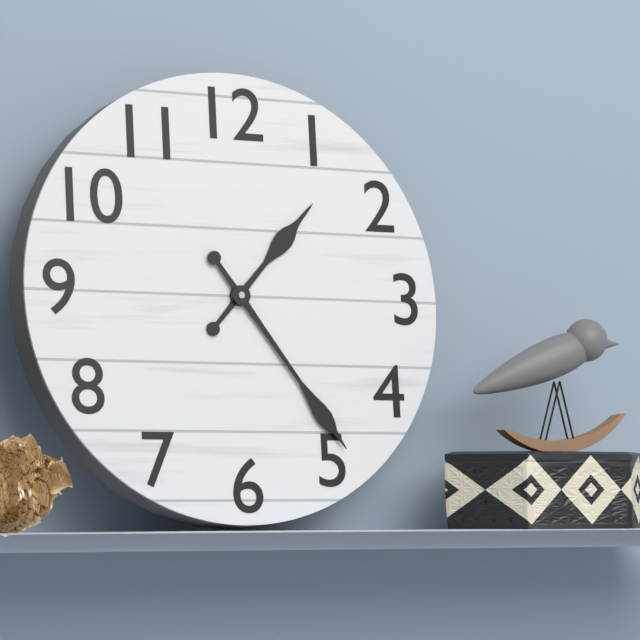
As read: 1h24
